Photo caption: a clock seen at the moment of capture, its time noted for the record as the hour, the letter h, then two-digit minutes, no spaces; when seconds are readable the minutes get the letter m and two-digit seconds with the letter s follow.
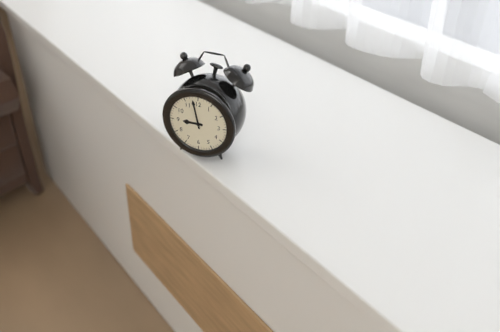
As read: 8h58
